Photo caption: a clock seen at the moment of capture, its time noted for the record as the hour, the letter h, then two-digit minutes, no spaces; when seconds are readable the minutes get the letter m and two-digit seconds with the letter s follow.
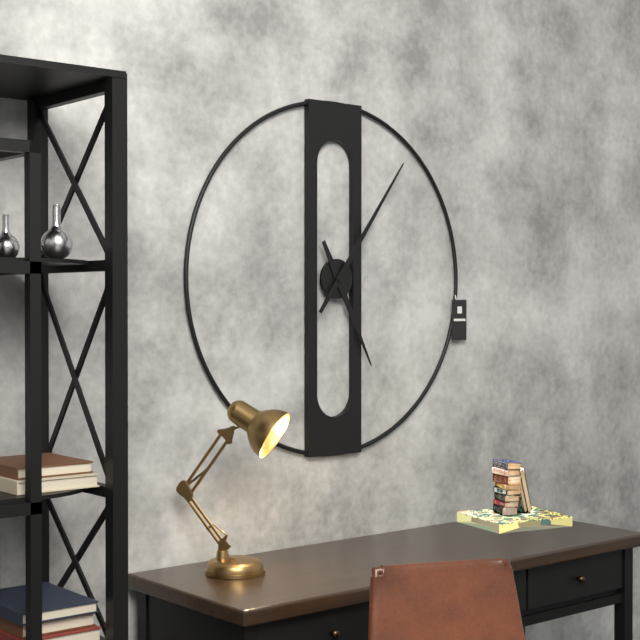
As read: 5h06
